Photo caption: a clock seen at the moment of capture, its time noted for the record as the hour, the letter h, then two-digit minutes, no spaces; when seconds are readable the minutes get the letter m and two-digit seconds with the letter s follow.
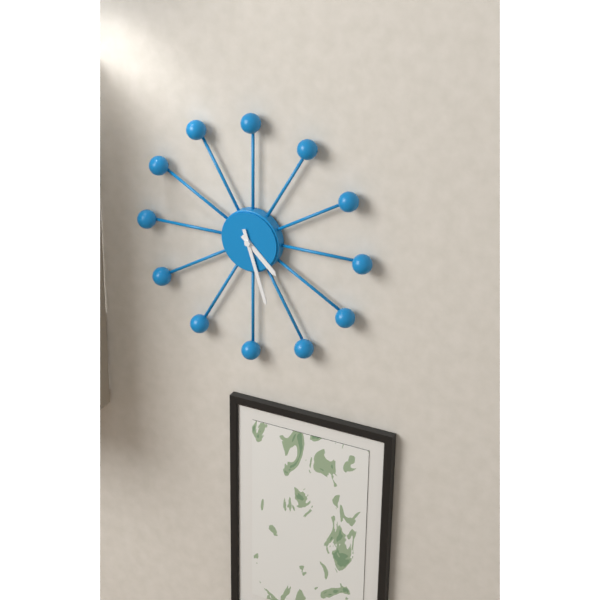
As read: 4h27
